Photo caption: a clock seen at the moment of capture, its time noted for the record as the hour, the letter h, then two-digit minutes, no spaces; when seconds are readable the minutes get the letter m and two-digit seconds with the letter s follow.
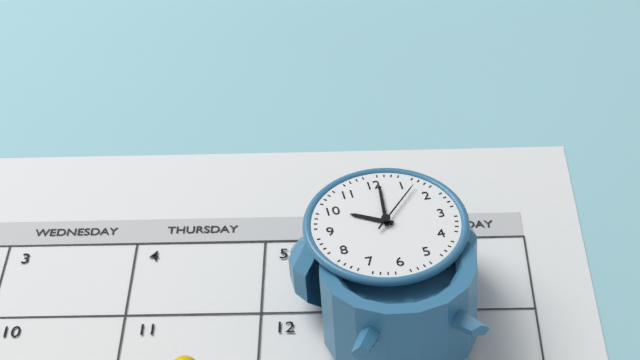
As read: 10h01m07s
